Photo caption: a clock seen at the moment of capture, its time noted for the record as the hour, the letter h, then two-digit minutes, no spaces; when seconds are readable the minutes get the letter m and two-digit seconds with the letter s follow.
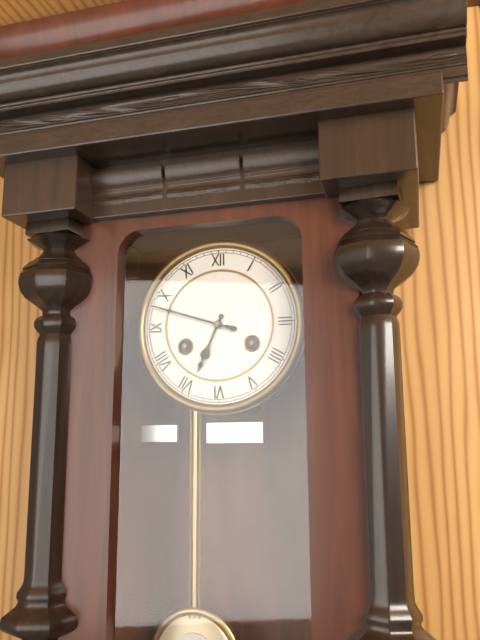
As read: 6h48
